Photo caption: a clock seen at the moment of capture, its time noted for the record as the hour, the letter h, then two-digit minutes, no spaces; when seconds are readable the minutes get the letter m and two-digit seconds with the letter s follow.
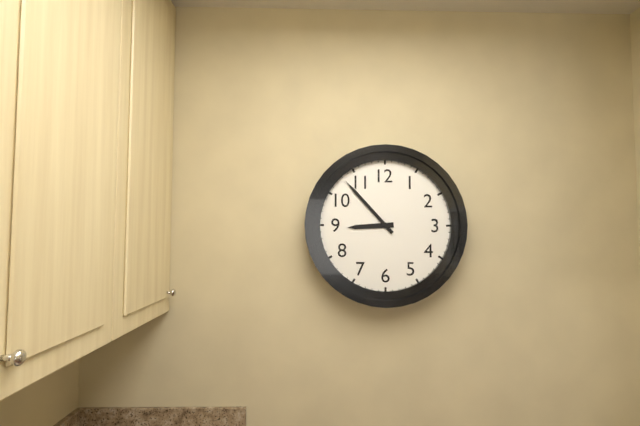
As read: 8h53
